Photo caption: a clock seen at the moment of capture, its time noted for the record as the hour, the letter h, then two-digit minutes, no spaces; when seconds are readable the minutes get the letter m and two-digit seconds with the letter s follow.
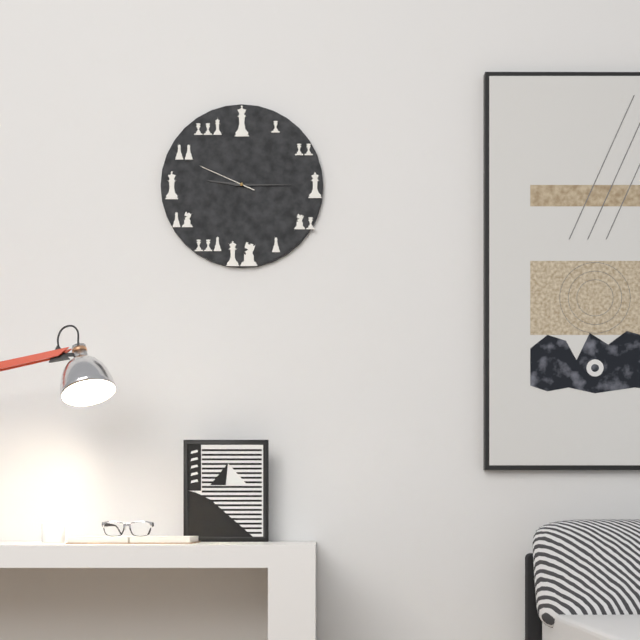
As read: 9h15m49s
